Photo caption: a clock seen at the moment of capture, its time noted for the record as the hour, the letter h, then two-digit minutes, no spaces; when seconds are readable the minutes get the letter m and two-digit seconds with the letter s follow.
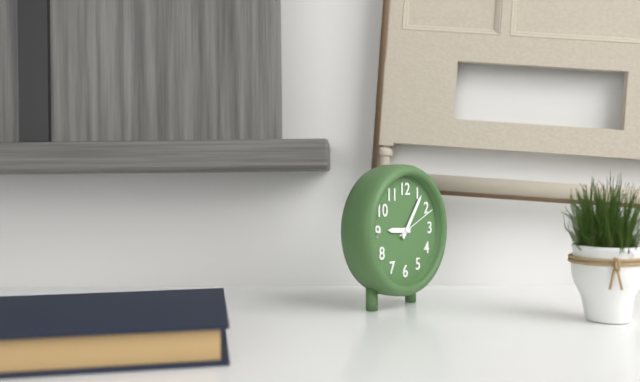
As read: 9h06
